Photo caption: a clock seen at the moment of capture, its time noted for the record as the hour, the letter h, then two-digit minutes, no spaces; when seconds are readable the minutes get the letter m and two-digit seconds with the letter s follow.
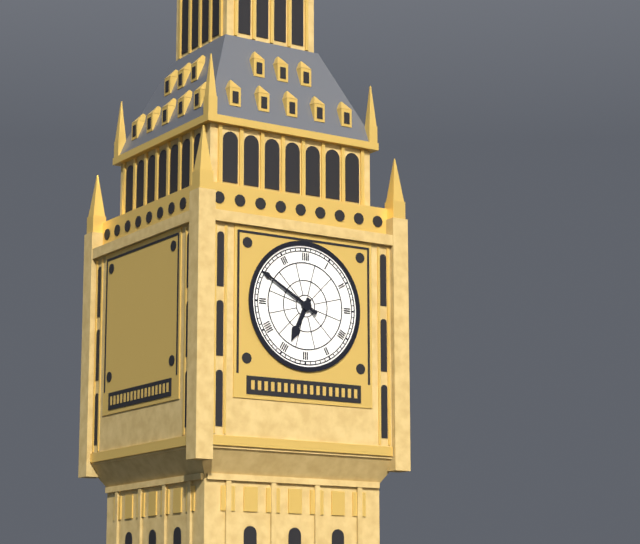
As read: 6h50
